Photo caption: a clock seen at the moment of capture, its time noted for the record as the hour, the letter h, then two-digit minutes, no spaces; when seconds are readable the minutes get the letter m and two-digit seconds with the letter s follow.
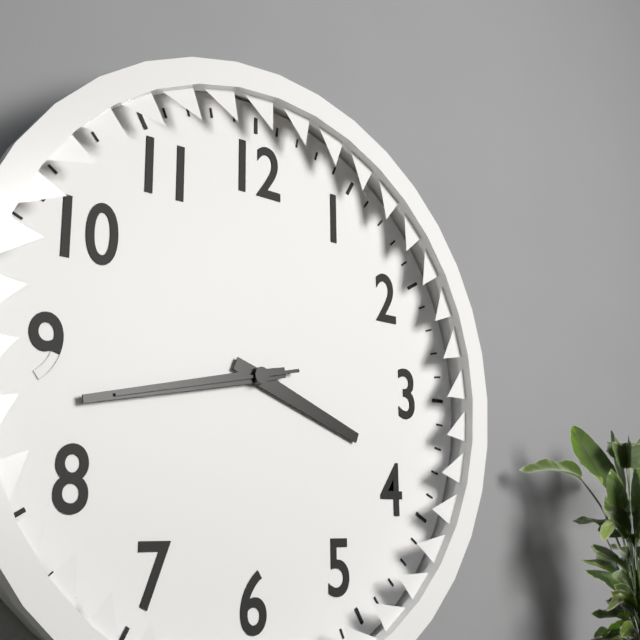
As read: 3h43m43s
